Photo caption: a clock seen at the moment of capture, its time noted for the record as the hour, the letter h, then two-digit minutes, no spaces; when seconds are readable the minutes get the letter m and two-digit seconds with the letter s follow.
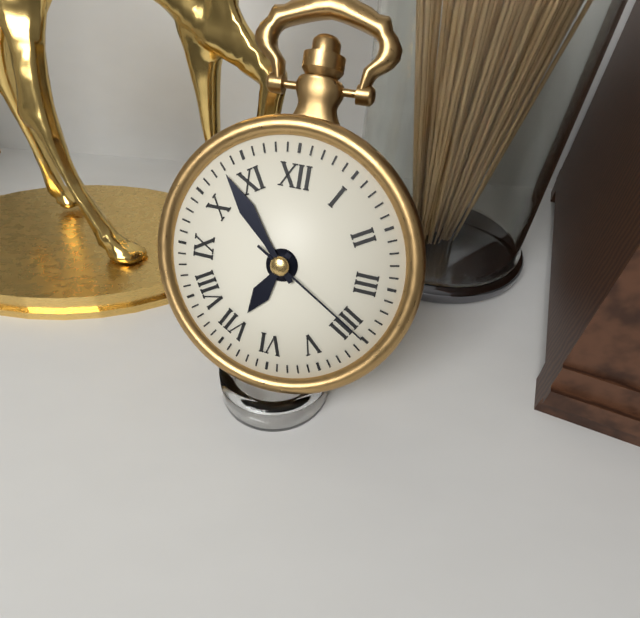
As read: 6h53m20s
